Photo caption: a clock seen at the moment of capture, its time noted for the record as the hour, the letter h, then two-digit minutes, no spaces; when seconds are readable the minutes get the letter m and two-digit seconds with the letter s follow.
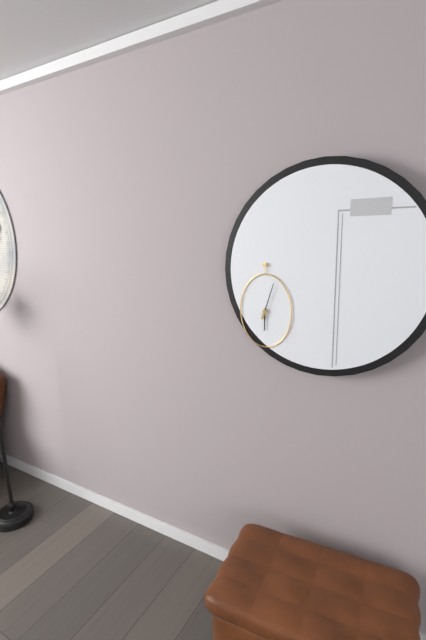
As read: 6h03
